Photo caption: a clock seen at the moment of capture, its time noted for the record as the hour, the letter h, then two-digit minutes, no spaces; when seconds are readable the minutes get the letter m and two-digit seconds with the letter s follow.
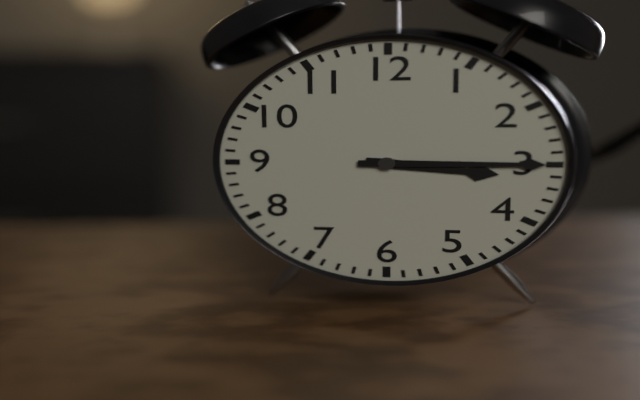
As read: 3h15
